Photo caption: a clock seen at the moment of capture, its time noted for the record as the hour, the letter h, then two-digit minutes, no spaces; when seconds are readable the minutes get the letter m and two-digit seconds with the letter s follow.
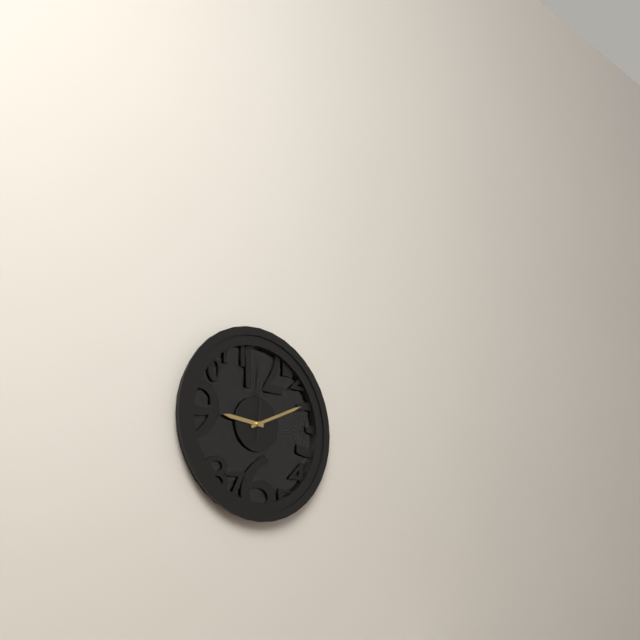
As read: 9h11m01s
